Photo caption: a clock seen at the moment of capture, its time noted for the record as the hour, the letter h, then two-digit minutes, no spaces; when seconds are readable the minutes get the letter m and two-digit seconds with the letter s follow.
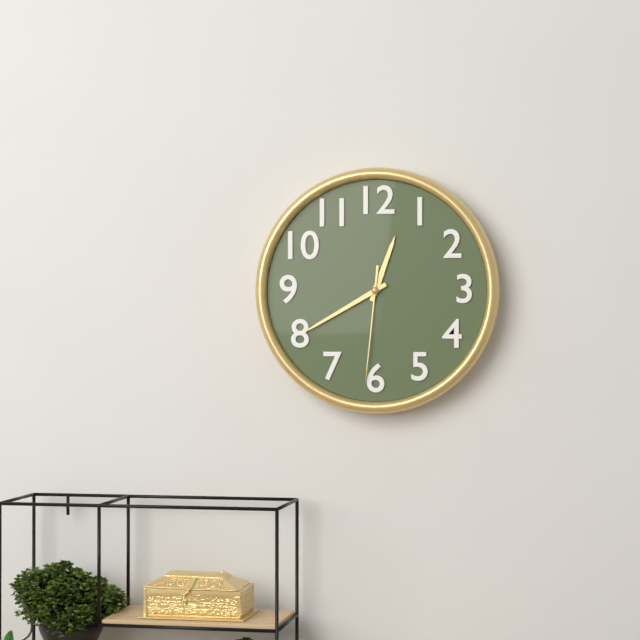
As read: 12h40m31s
